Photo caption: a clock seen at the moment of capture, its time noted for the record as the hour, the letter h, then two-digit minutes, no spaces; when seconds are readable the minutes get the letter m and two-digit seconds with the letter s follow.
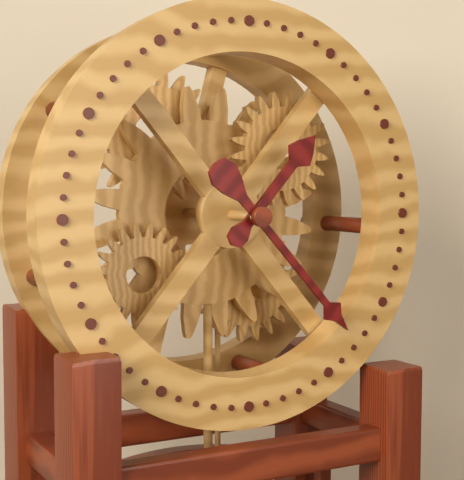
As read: 1h23
